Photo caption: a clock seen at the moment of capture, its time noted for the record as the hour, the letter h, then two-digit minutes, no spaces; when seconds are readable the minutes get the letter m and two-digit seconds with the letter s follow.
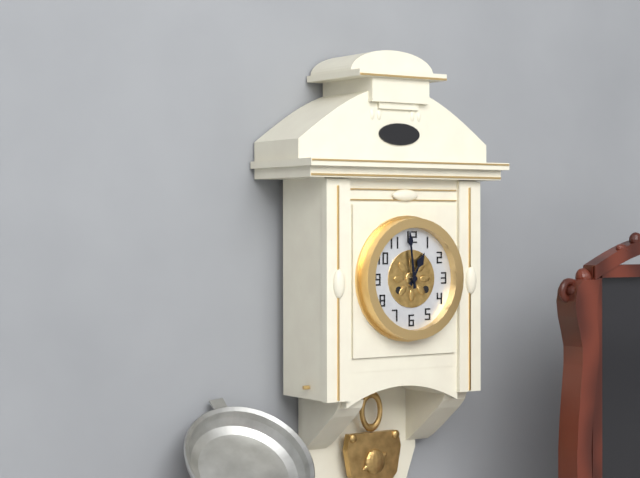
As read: 12h59
